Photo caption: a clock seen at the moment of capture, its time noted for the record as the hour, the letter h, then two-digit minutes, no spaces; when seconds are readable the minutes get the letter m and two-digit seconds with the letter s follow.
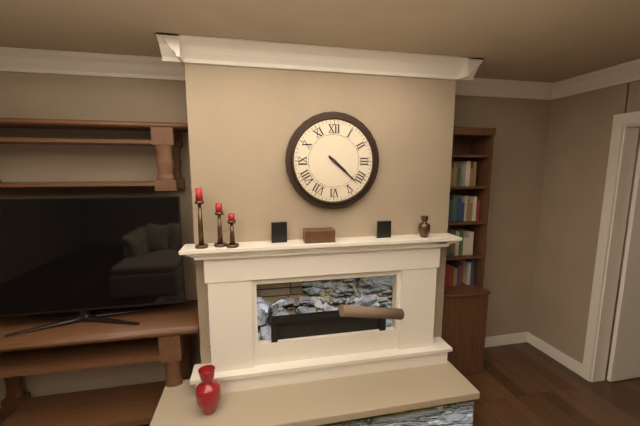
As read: 4h22
